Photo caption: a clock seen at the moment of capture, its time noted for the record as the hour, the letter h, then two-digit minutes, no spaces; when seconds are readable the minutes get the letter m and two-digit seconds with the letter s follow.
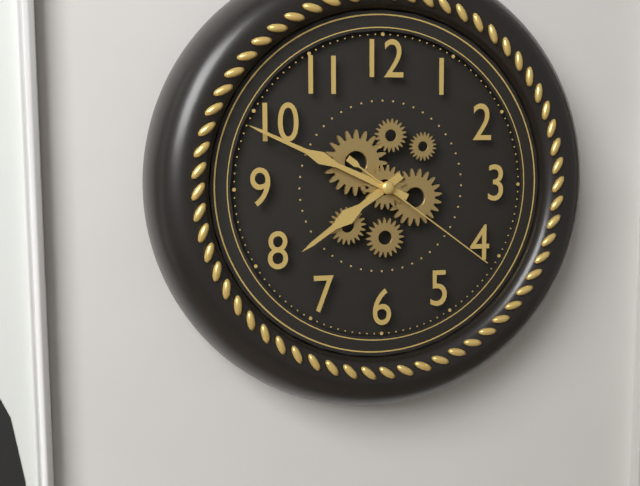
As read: 7h49m21s
